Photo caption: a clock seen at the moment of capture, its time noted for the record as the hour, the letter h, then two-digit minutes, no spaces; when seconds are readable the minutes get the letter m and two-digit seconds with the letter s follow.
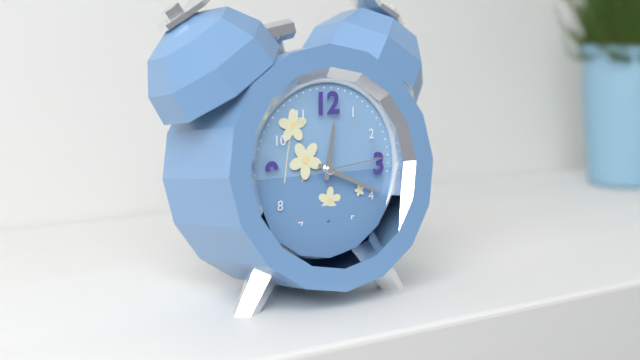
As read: 12h19m14s
